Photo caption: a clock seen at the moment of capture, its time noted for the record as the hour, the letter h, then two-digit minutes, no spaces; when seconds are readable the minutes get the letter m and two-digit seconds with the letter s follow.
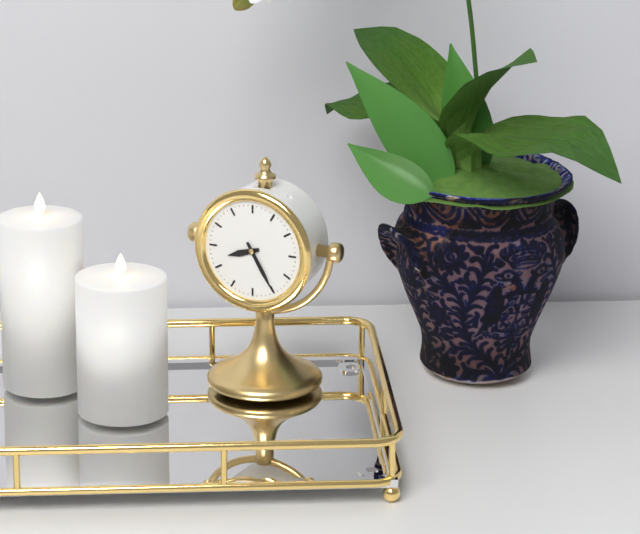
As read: 8h25
